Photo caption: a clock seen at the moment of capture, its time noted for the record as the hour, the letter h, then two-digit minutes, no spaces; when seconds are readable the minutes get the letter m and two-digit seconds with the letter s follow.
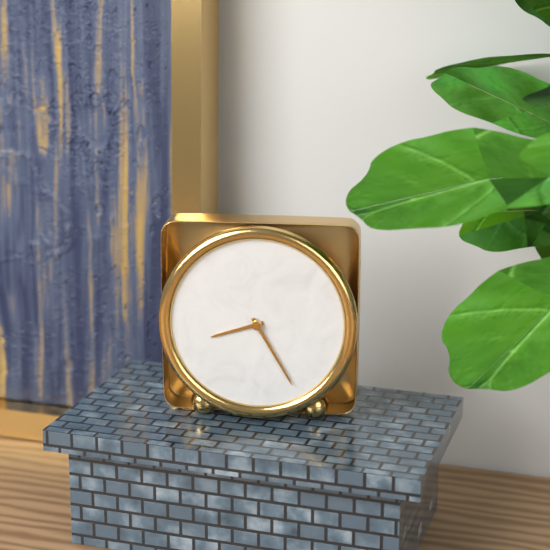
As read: 8h25
